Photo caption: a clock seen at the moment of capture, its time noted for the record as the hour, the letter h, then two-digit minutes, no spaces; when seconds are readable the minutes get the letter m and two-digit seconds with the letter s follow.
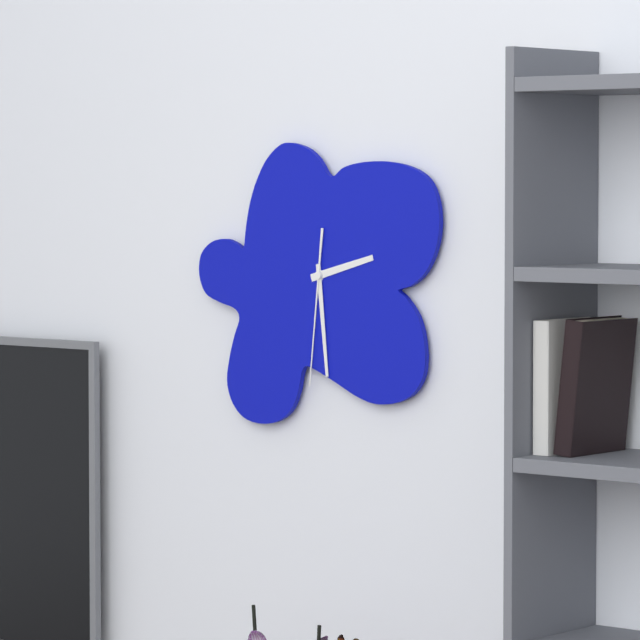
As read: 2h29m31s
